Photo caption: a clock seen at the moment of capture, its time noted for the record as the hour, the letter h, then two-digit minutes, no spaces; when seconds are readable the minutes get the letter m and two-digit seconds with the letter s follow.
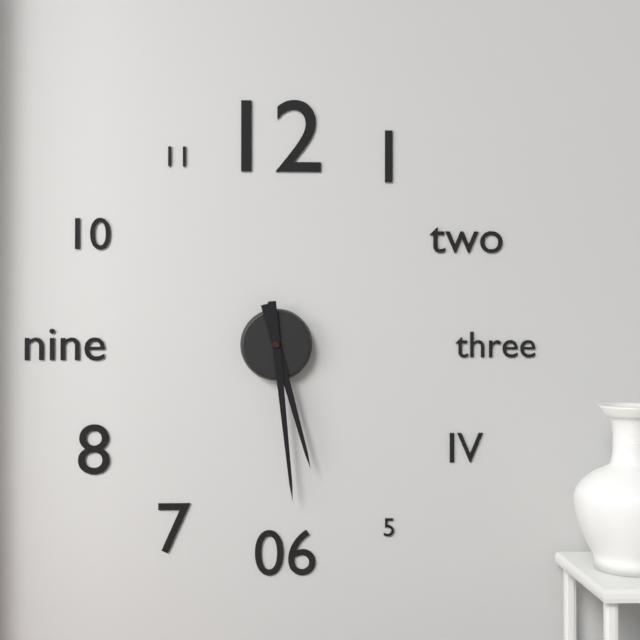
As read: 5h29
